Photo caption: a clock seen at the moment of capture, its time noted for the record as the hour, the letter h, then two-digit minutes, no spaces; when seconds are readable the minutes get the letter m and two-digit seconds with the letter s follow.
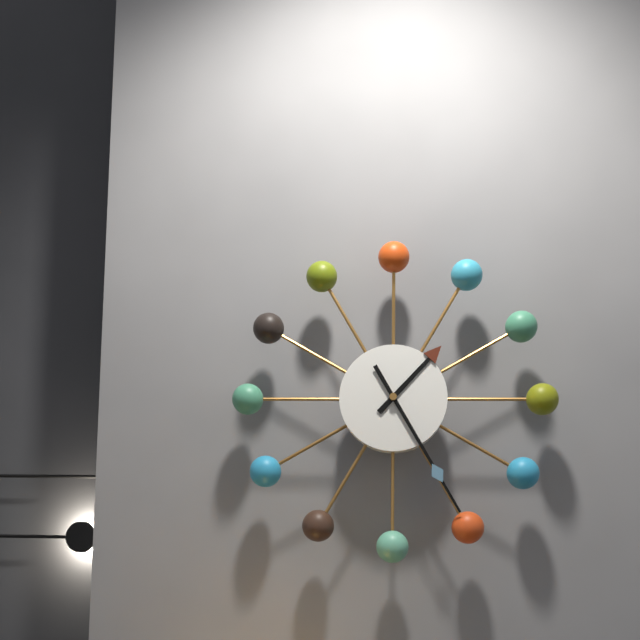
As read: 1h25
